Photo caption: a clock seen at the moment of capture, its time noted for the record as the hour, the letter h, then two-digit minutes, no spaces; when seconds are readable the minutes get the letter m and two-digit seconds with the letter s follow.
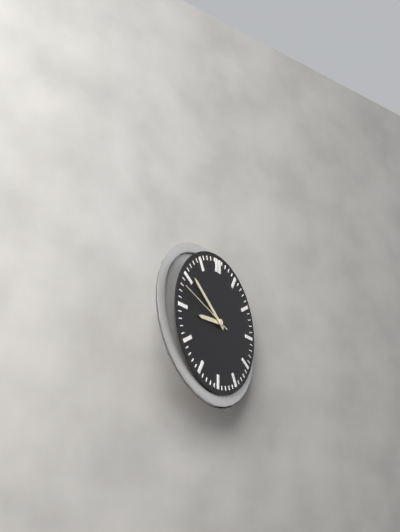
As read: 8h51m48s
